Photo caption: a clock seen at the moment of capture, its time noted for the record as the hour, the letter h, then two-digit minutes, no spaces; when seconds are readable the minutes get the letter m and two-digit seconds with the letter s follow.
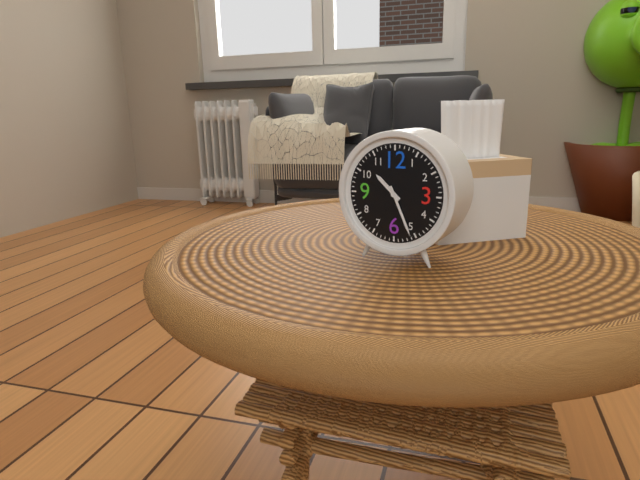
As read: 10h26
